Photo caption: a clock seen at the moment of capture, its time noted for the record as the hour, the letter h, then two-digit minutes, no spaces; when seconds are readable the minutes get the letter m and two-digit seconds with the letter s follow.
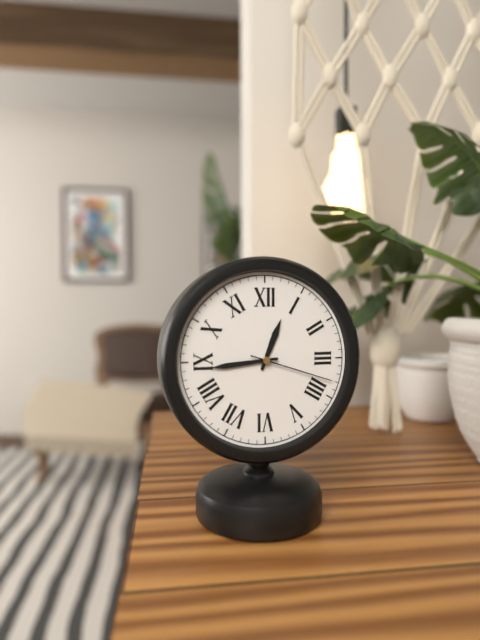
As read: 12h44m18s
